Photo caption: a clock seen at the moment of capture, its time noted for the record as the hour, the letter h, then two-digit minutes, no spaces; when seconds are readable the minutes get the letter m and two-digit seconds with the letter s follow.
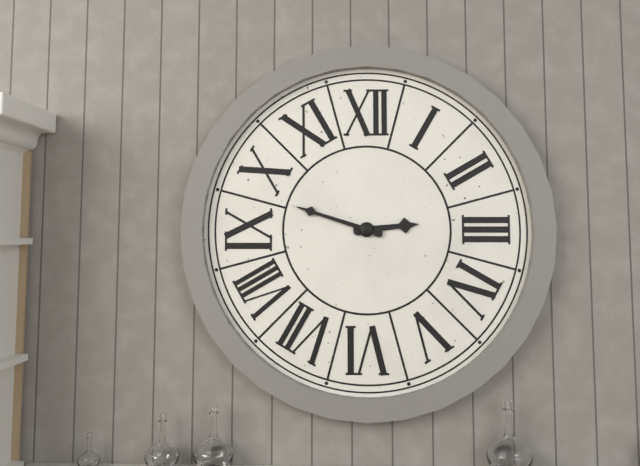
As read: 2h48
